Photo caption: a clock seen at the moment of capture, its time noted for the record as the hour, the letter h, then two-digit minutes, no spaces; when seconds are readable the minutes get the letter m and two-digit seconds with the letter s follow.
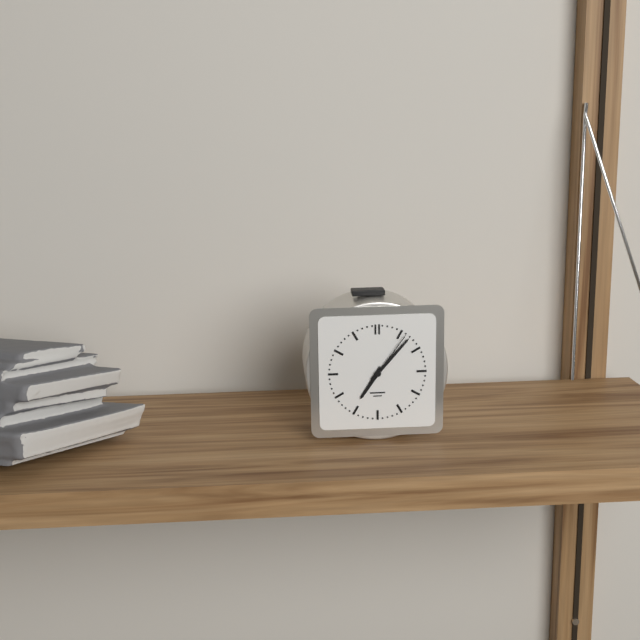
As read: 7h07m06s
